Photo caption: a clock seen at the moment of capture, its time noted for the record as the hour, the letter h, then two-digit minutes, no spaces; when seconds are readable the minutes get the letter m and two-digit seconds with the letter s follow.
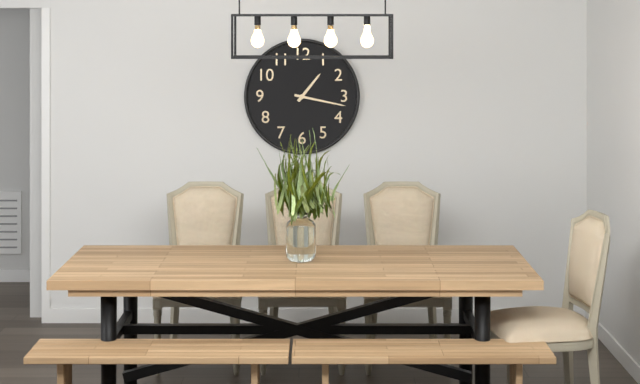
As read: 1h17
